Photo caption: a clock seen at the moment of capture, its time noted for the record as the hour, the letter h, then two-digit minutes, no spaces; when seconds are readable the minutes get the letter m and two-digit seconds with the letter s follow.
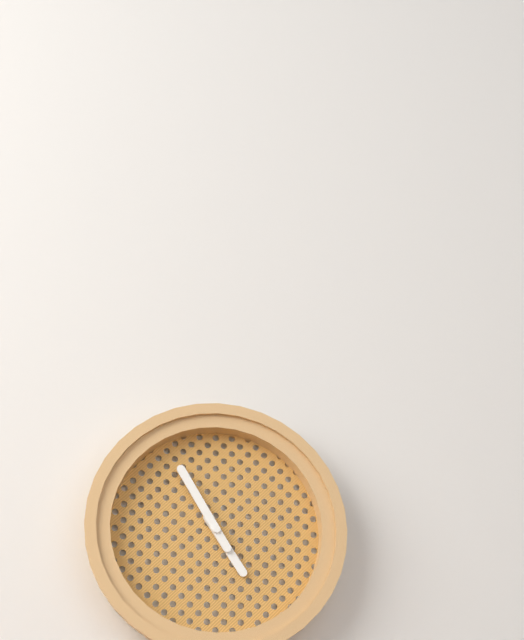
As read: 4h55
